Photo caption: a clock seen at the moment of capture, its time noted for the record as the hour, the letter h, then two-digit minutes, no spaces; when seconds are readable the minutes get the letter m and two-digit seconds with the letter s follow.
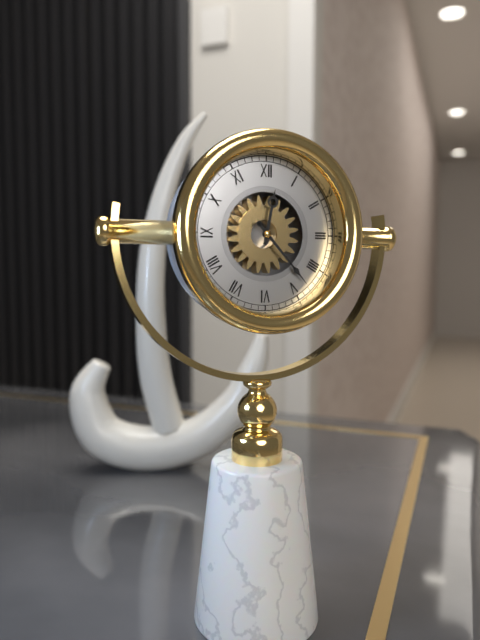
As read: 12h23
